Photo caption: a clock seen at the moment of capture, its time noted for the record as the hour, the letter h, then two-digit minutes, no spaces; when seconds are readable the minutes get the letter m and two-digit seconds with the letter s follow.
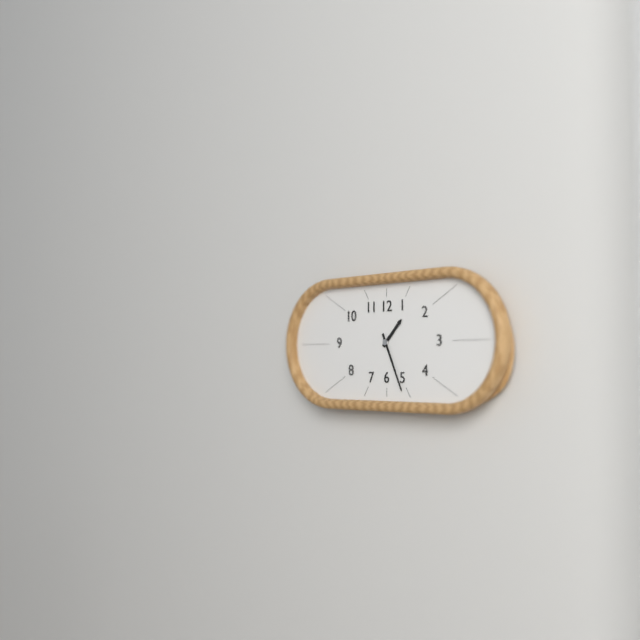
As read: 1h26
